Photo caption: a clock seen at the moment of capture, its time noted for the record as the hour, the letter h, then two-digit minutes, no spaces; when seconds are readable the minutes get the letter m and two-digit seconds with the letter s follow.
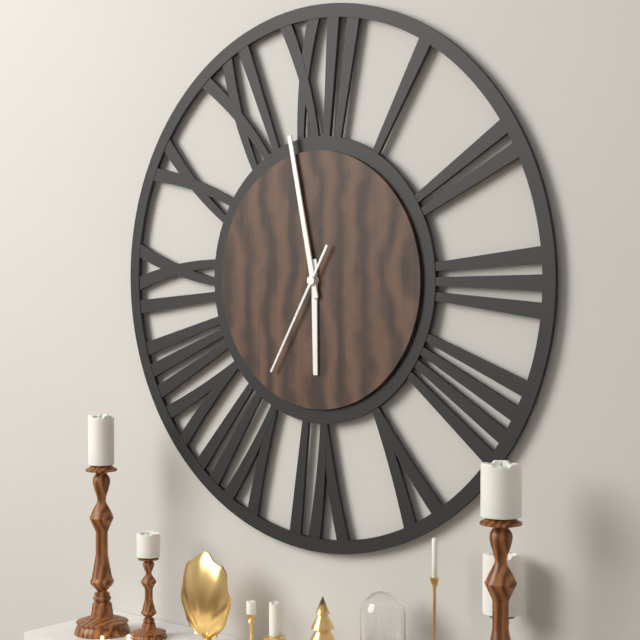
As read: 5h58m35s
